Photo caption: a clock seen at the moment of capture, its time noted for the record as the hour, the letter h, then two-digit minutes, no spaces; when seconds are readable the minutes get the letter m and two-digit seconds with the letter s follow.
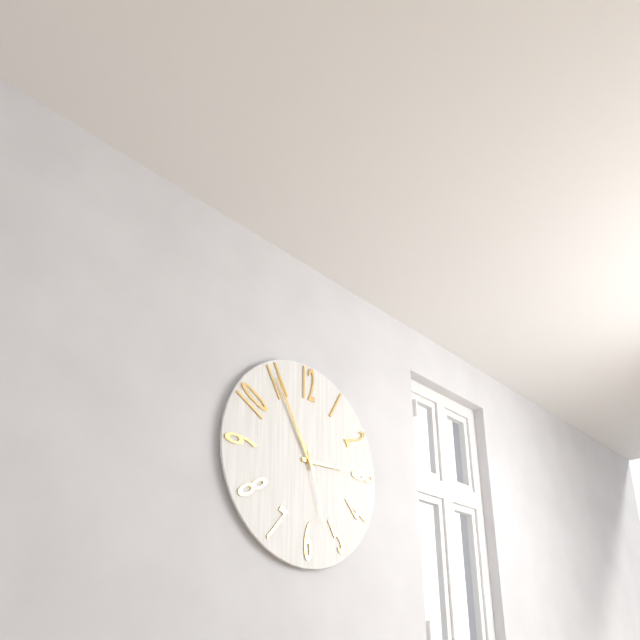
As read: 2h55m27s
